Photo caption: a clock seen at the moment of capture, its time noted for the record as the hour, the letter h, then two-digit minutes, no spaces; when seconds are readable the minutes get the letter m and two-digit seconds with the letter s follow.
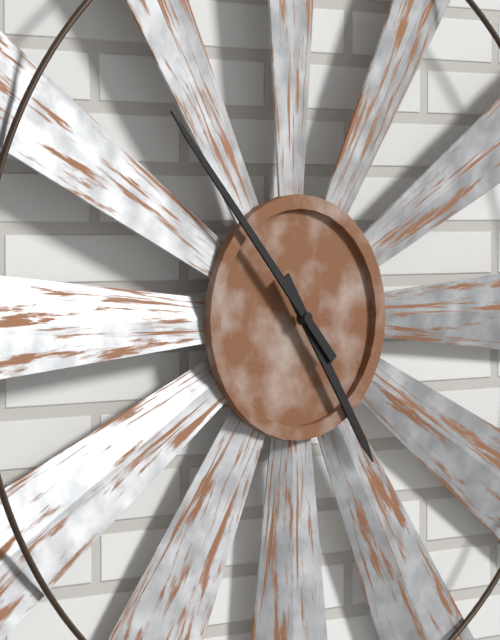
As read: 4h53
